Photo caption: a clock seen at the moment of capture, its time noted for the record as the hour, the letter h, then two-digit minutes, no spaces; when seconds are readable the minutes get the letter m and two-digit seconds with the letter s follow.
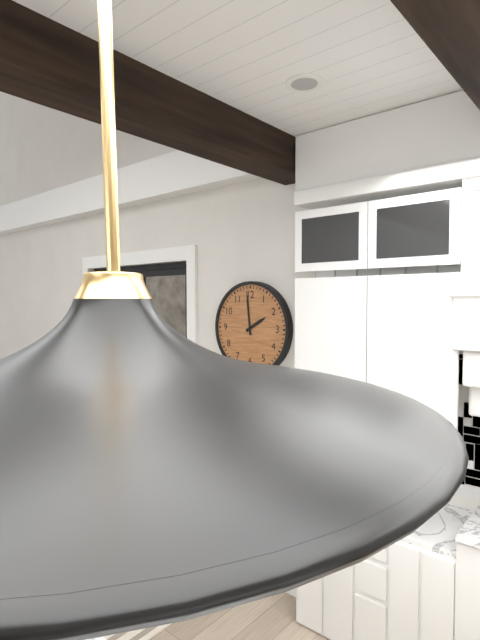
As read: 1h59
